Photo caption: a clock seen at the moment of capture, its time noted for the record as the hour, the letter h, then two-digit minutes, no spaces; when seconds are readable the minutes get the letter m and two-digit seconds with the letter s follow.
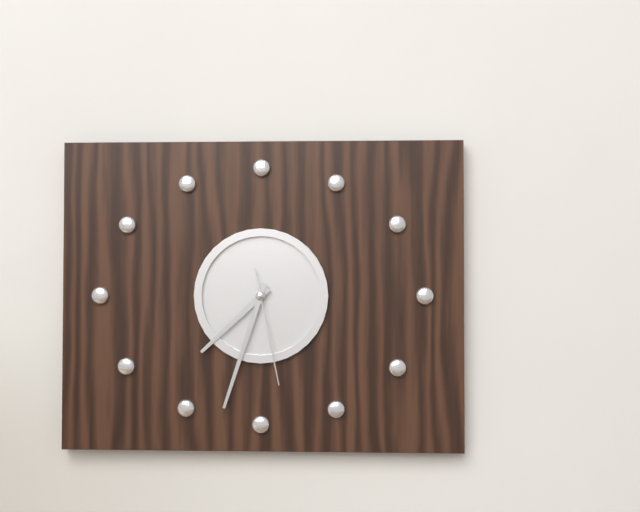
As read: 7h33m28s
